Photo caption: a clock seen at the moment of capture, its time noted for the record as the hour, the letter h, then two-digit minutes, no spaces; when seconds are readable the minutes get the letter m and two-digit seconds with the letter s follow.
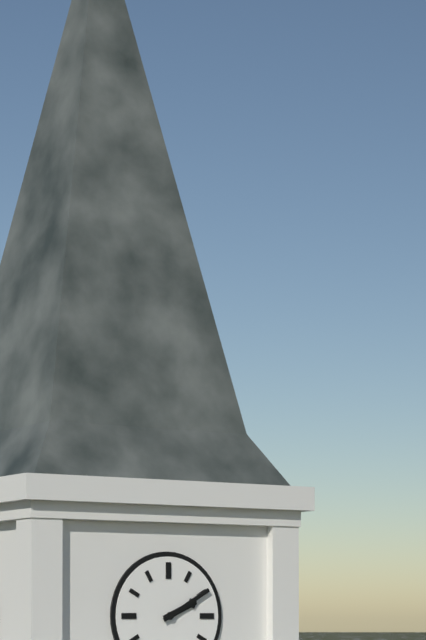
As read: 2h10
